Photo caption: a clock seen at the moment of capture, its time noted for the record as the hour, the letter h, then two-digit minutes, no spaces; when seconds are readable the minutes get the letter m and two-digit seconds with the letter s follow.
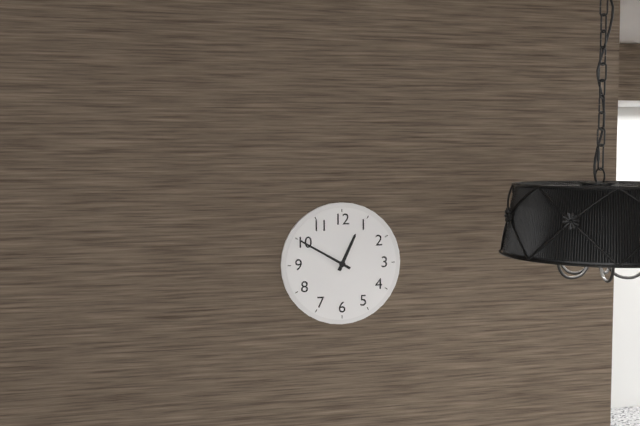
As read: 12h50
